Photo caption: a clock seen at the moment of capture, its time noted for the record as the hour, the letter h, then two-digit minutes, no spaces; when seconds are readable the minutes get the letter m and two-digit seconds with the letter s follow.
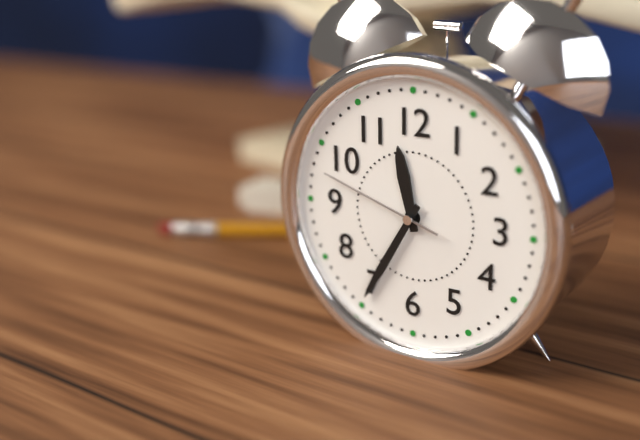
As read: 11h35m48s
